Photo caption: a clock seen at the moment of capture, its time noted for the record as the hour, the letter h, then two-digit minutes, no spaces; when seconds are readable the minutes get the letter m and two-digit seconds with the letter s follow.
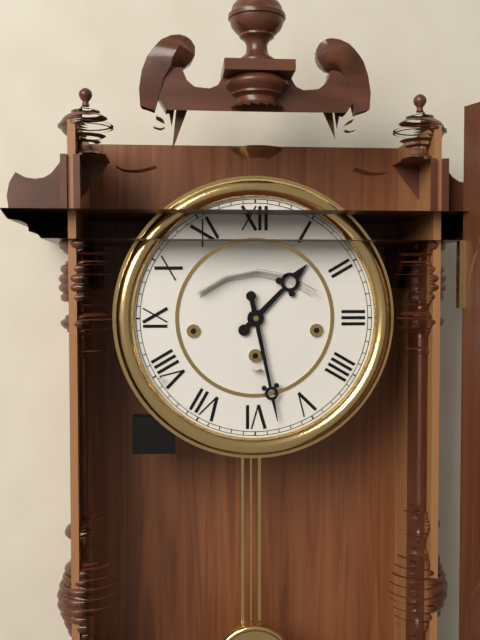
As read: 1h28
